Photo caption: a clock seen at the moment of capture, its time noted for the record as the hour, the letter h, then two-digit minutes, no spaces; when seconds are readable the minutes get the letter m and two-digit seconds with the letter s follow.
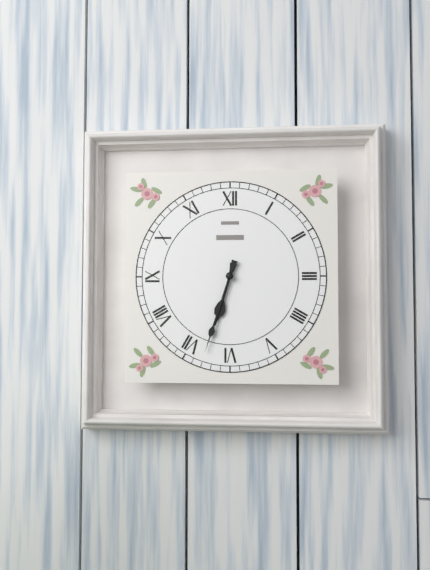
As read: 6h33
